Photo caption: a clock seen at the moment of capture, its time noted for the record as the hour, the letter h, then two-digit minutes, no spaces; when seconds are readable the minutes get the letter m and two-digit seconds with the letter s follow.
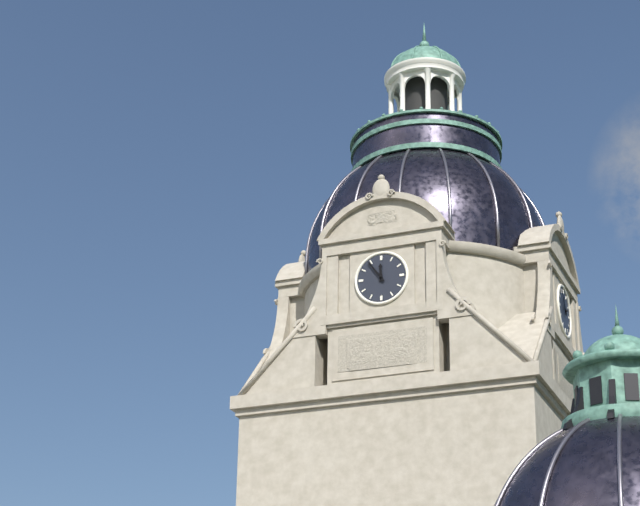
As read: 11h54
